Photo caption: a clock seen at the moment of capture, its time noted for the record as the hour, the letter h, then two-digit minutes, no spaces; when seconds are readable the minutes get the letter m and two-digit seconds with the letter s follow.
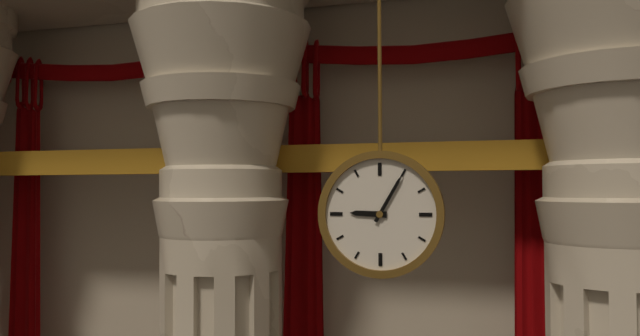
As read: 9h05
